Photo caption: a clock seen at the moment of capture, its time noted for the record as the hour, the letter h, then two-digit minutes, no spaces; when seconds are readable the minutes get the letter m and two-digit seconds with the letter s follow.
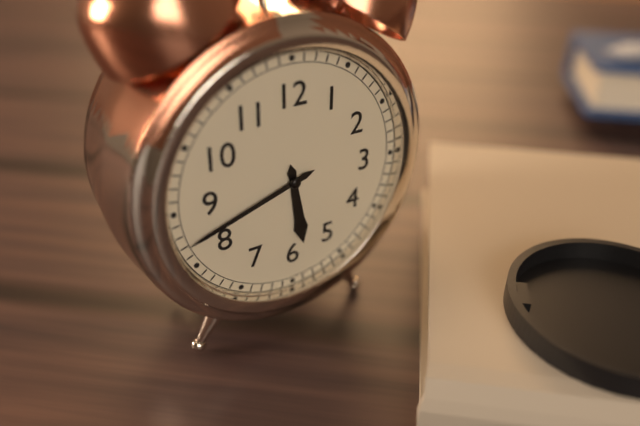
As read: 5h42
